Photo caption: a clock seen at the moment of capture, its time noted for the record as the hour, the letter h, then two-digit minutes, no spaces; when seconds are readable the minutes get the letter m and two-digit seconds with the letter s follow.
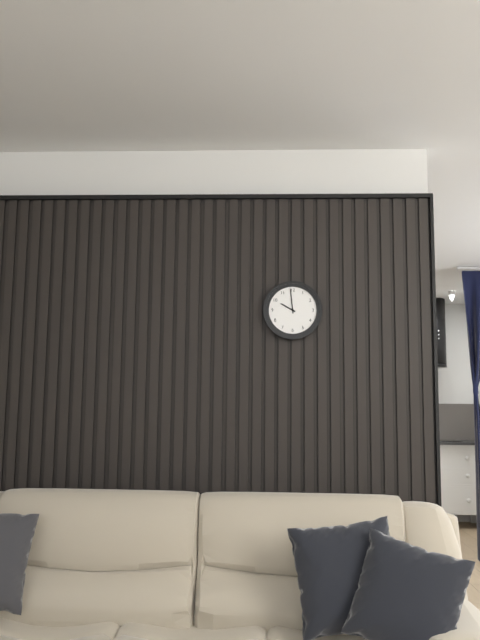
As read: 9h59
